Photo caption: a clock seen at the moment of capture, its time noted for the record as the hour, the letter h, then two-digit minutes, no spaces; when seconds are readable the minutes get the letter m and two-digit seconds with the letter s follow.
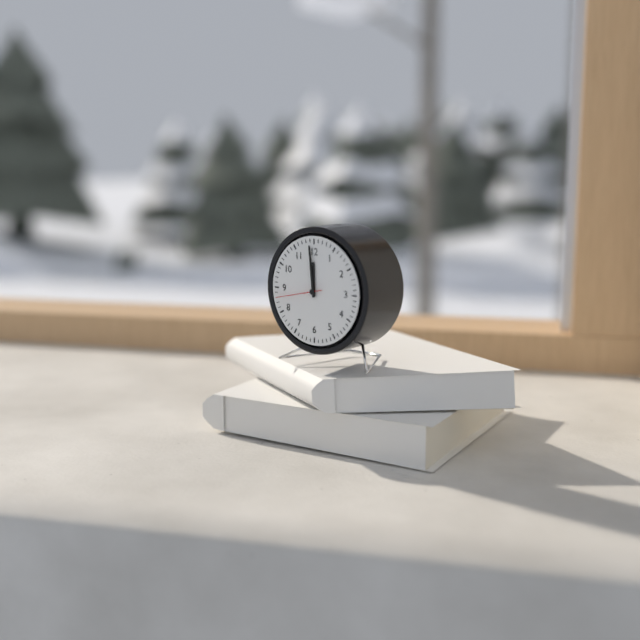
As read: 11h59m43s
